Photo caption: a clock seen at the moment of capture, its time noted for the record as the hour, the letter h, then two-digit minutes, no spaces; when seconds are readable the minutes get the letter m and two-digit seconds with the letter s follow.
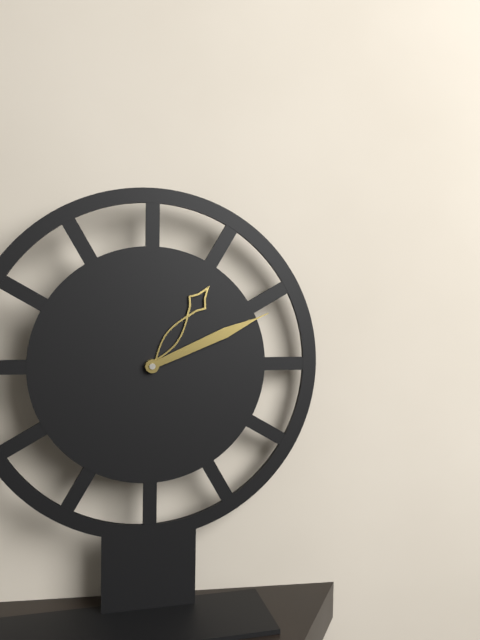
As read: 1h11
